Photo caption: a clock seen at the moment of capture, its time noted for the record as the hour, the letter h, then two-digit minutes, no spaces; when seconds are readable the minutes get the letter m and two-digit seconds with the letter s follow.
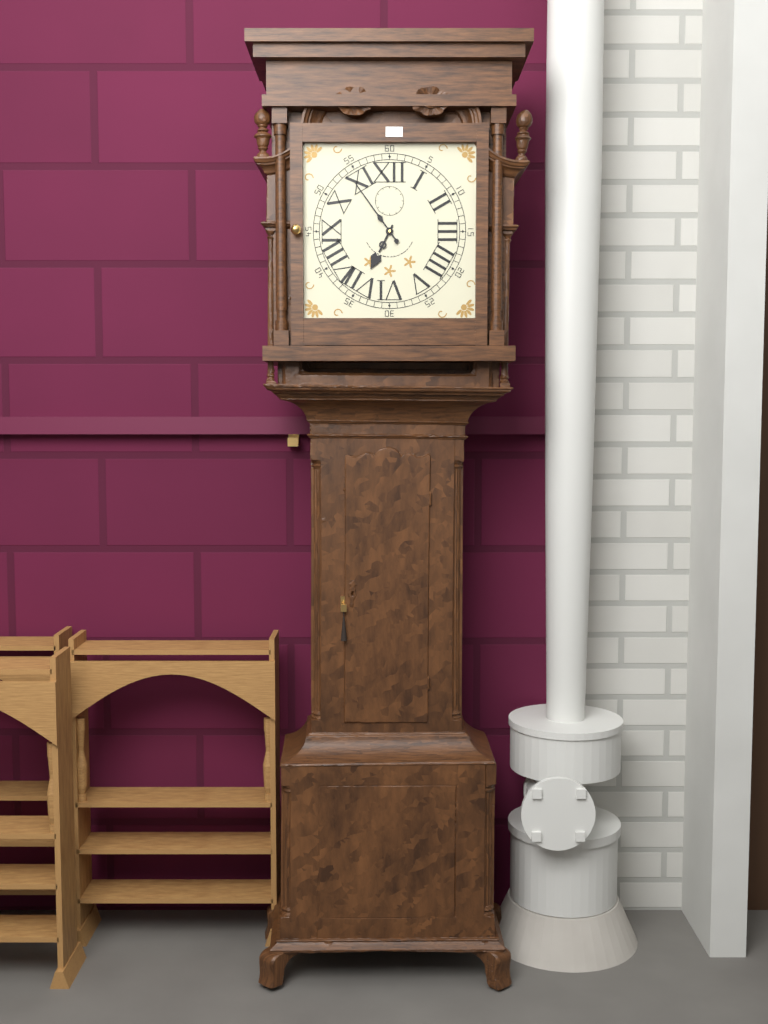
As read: 6h54
